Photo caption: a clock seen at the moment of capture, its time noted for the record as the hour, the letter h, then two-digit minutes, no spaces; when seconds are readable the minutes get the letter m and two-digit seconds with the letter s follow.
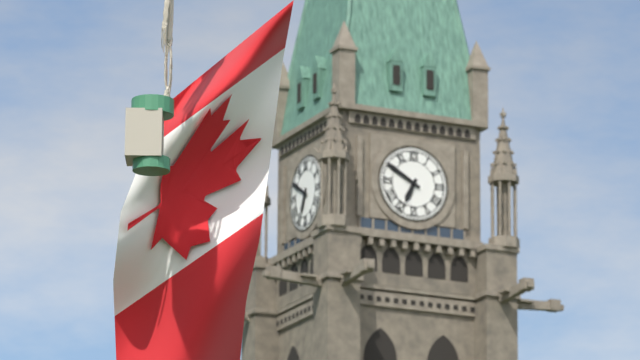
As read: 6h50
